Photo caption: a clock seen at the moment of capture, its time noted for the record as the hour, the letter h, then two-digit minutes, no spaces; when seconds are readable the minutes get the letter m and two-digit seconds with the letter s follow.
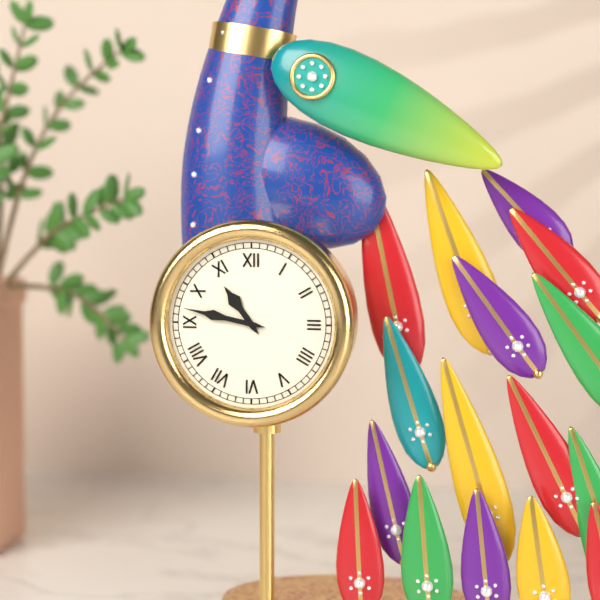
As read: 10h47
